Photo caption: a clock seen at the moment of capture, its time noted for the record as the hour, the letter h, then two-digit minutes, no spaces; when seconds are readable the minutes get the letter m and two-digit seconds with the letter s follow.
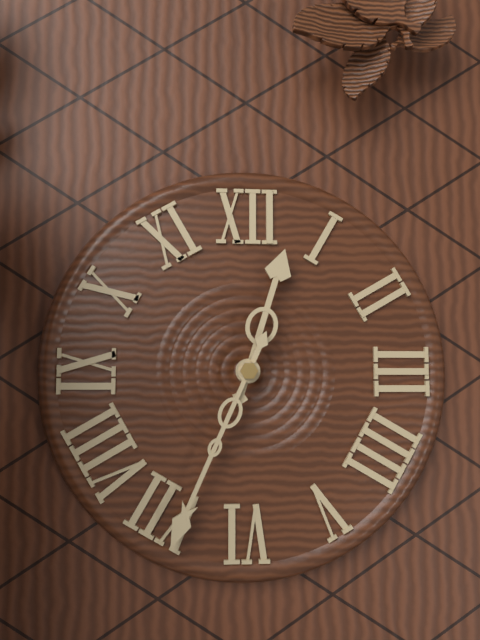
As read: 12h34
